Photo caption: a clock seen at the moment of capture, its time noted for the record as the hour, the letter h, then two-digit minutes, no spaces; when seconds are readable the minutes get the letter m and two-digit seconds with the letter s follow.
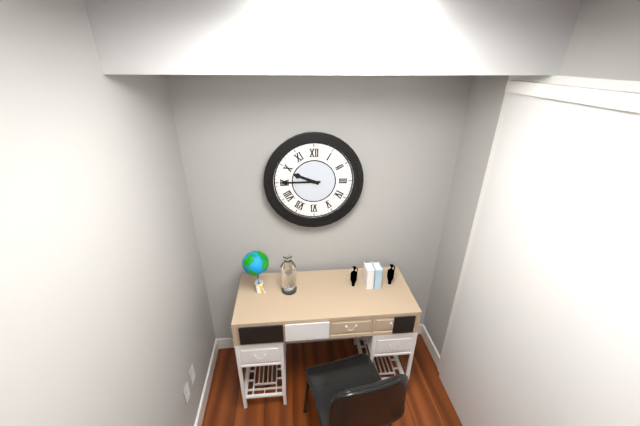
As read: 9h45
